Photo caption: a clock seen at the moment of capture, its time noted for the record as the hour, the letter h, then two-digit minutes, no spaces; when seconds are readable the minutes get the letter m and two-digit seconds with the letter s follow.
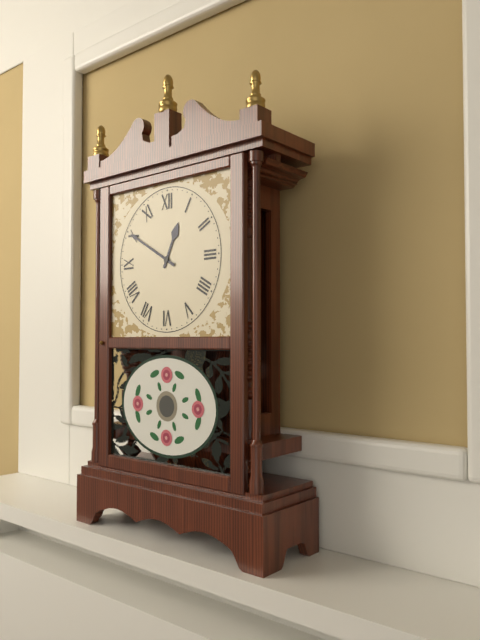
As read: 12h50
